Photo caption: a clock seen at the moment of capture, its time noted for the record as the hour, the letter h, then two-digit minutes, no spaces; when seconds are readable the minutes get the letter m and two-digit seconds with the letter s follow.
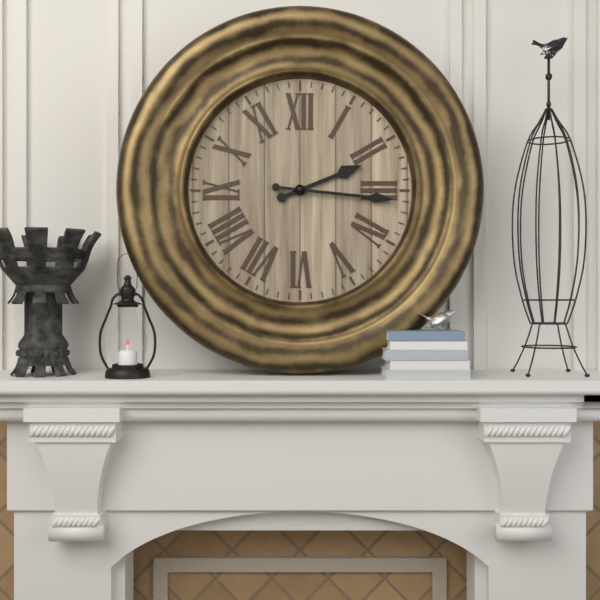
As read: 2h16
